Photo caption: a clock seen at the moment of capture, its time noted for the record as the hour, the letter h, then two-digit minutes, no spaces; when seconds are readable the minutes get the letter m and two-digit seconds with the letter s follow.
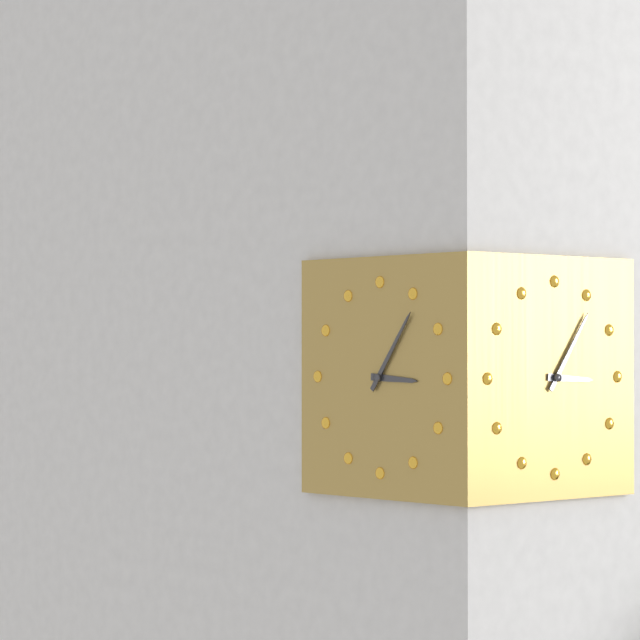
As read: 3h06
